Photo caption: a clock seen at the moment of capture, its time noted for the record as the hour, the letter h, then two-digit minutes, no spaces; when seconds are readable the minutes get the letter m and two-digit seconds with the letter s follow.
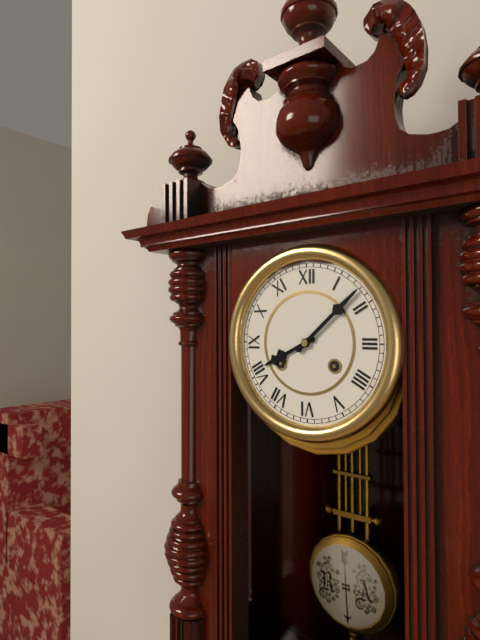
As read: 8h08
